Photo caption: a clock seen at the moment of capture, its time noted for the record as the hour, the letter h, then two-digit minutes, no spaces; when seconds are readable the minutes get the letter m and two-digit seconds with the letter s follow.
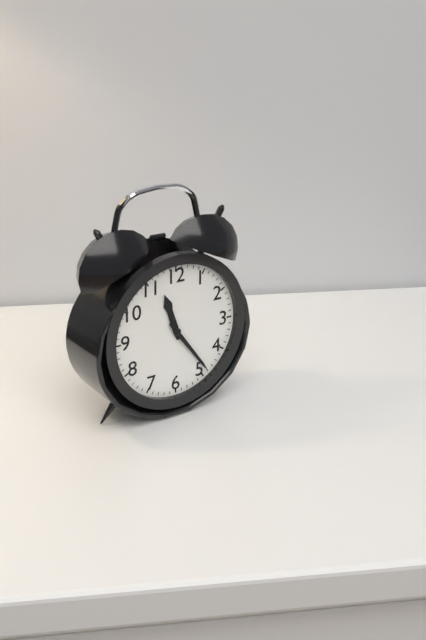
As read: 11h24
